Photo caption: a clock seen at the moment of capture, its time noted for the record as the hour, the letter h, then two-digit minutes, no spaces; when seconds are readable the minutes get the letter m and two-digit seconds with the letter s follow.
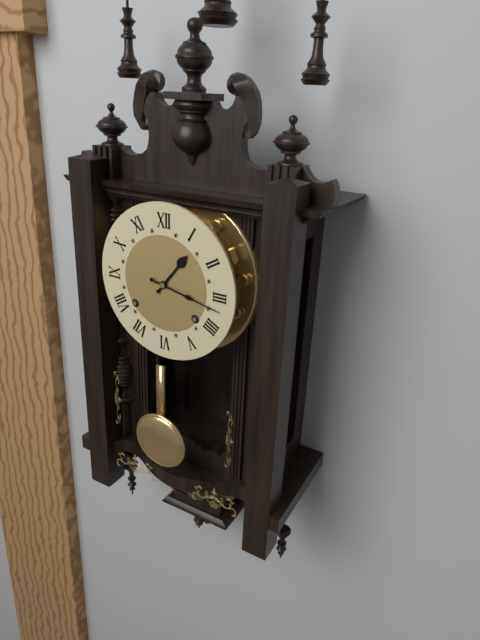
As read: 1h17
